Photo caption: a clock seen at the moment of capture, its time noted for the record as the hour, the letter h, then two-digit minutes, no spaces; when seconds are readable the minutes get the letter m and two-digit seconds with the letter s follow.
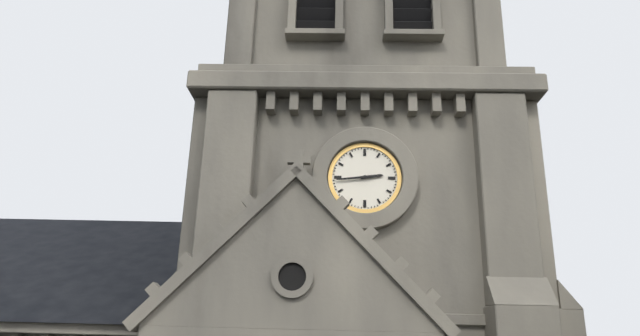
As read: 2h44
